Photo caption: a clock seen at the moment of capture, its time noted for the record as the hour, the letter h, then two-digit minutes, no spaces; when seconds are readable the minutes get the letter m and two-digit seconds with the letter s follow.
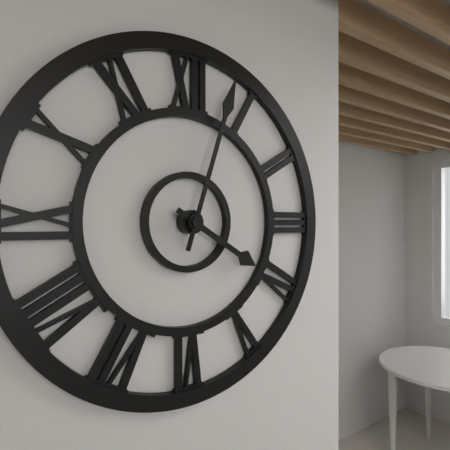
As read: 4h03
